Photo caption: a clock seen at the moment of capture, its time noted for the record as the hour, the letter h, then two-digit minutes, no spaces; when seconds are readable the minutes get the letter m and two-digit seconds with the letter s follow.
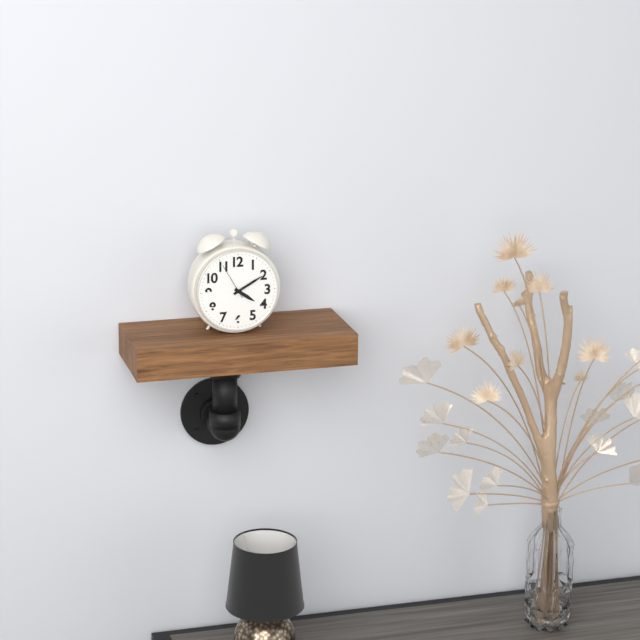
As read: 4h10
